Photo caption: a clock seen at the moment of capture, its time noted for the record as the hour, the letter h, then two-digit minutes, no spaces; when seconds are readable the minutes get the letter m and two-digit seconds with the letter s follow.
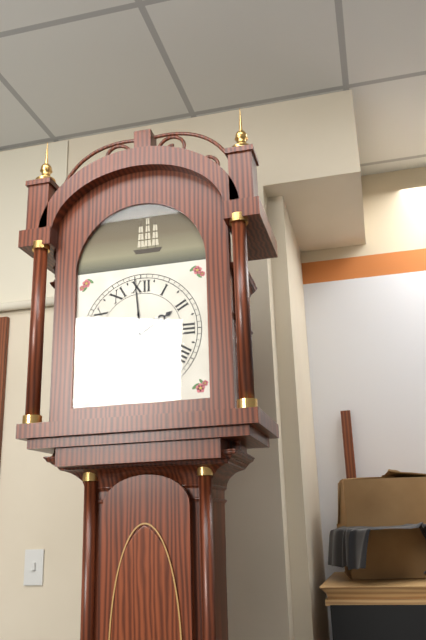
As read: 1h59
